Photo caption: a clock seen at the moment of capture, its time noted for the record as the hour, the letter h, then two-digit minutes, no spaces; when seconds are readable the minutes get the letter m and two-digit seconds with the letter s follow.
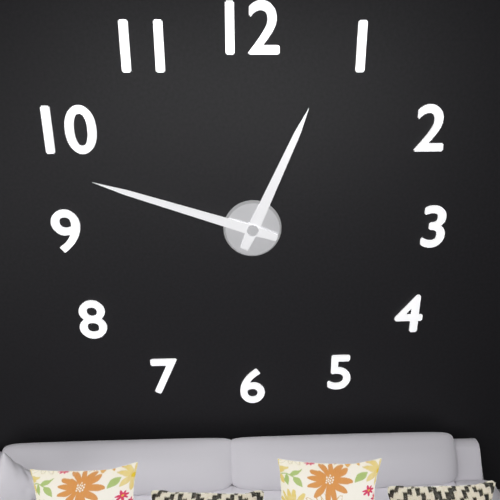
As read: 12h48
